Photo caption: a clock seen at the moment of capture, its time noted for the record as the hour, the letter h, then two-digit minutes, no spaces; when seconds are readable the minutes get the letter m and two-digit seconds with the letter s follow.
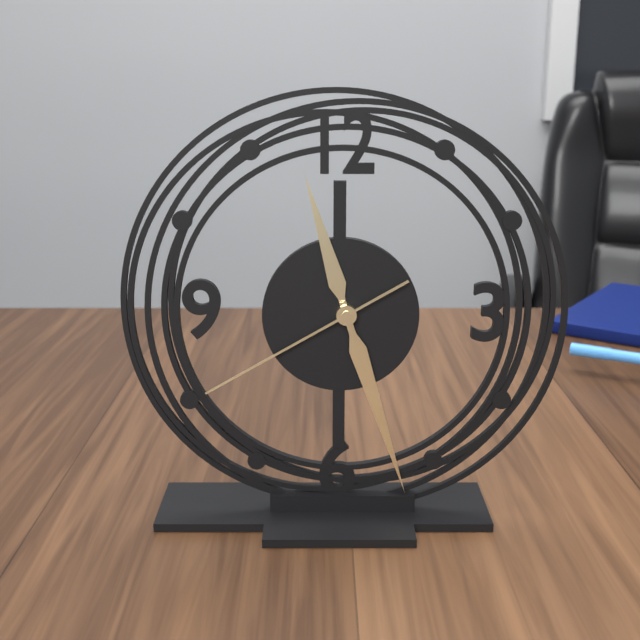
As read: 11h27m40s
